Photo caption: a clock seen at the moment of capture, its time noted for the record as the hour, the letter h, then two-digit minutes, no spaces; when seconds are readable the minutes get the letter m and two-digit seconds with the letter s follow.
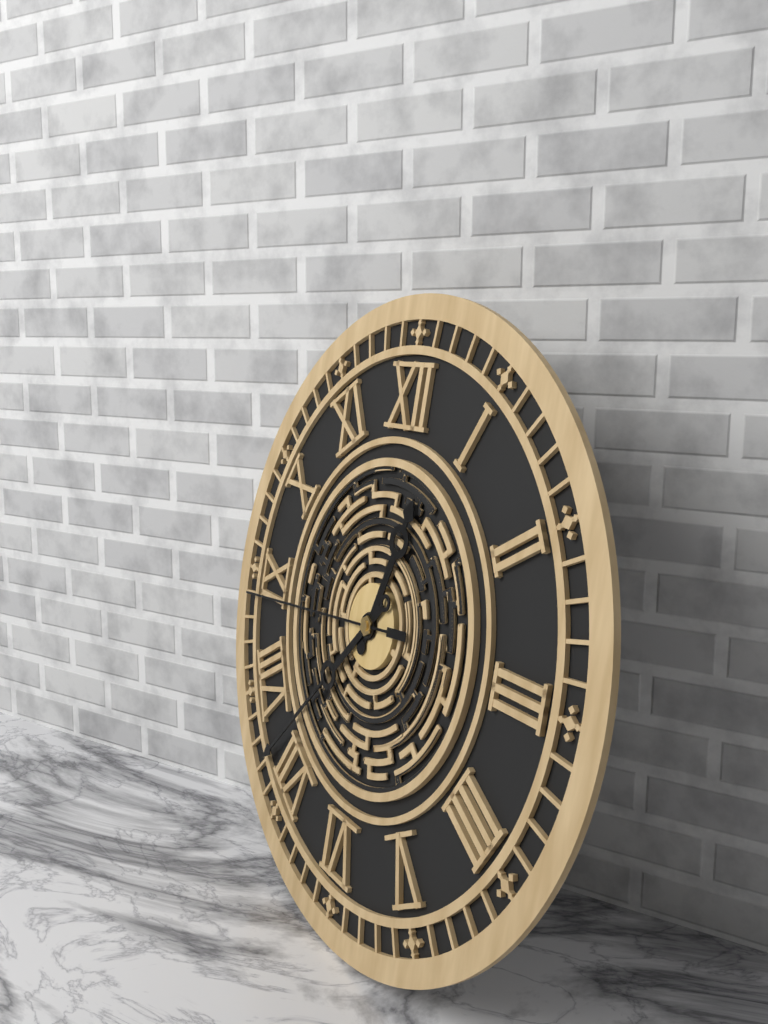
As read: 12h37m44s
